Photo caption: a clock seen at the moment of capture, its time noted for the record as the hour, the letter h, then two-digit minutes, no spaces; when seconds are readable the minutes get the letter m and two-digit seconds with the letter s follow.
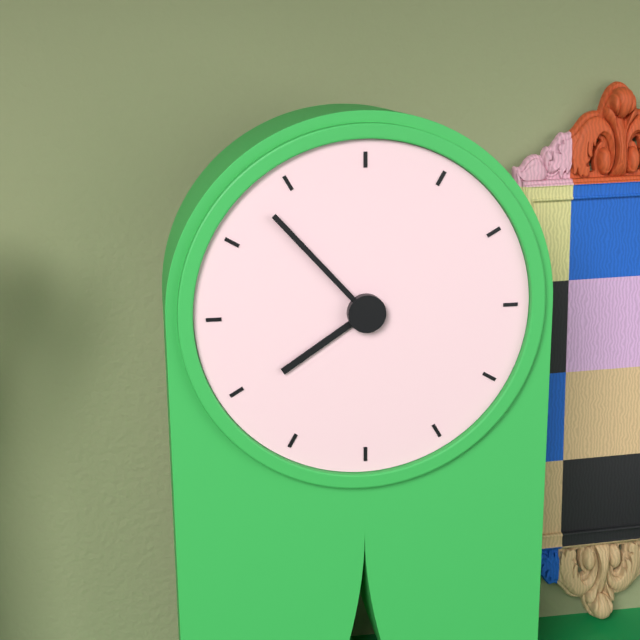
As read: 7h53
